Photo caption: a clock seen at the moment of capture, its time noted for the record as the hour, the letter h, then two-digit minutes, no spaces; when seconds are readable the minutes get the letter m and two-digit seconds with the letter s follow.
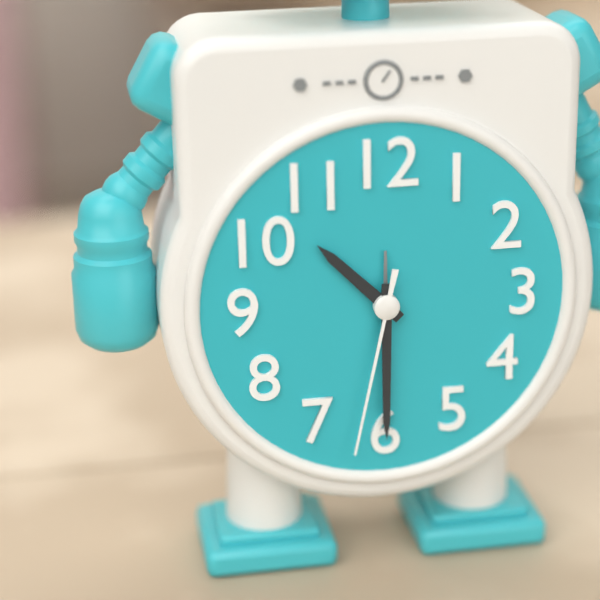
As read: 10h30m32s
